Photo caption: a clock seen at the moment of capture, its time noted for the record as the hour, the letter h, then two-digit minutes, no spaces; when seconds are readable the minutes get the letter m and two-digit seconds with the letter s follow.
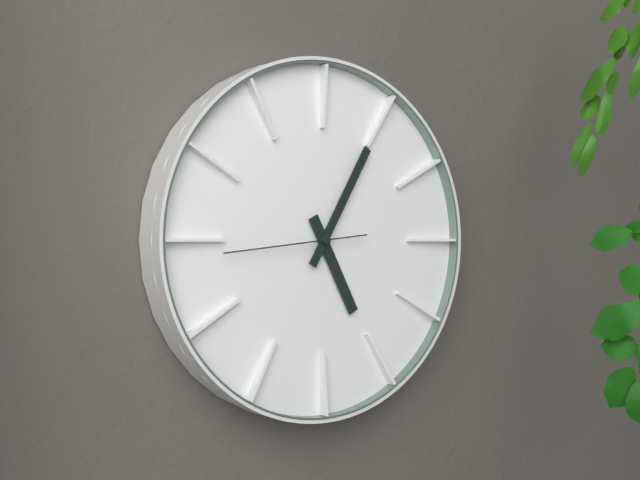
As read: 5h05m44s
